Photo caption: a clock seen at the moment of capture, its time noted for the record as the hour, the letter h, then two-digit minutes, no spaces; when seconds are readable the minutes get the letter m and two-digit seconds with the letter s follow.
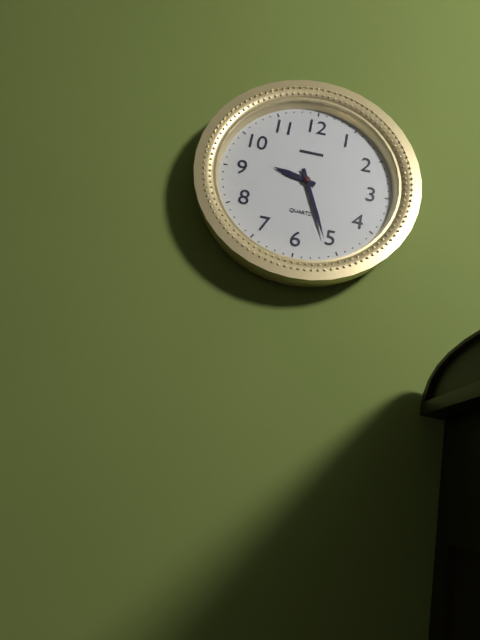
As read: 9h26
